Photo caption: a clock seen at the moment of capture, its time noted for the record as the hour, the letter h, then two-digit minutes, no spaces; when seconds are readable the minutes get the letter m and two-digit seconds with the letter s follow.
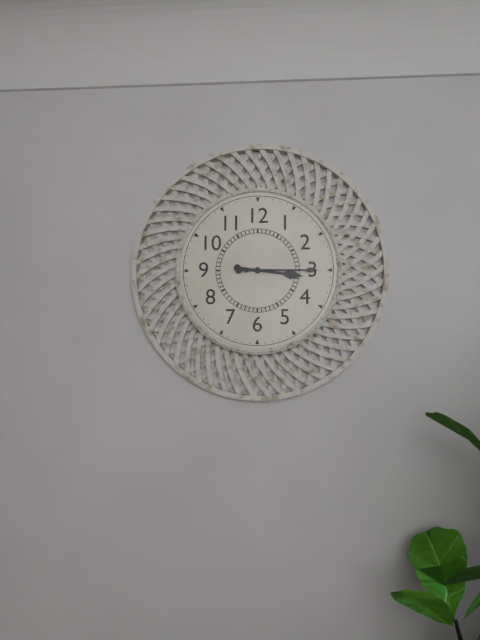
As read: 3h15
